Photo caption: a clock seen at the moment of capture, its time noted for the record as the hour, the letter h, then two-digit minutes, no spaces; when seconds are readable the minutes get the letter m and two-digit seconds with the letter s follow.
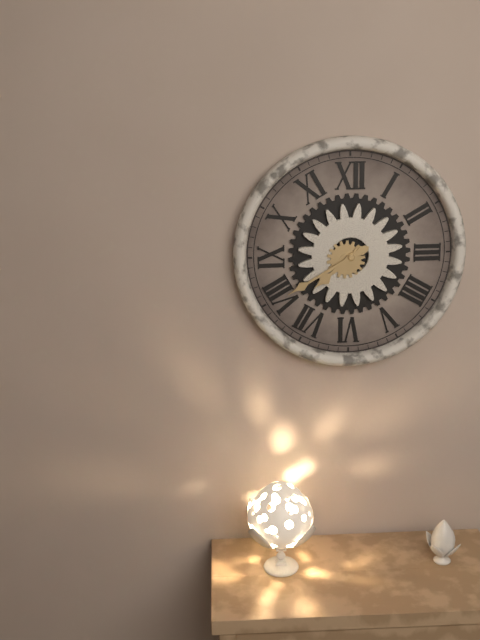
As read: 7h40
